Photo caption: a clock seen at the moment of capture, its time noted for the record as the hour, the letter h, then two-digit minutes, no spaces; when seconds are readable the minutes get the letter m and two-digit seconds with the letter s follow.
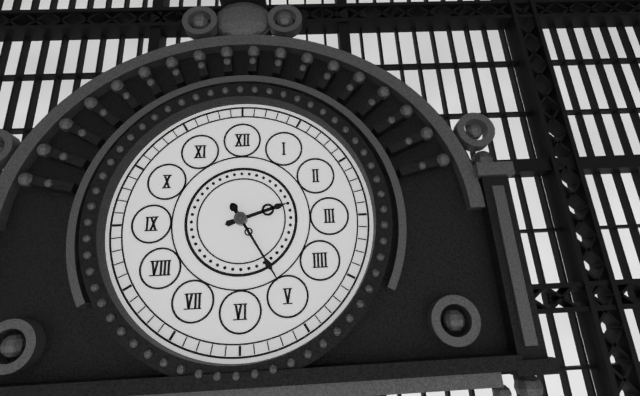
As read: 2h25
